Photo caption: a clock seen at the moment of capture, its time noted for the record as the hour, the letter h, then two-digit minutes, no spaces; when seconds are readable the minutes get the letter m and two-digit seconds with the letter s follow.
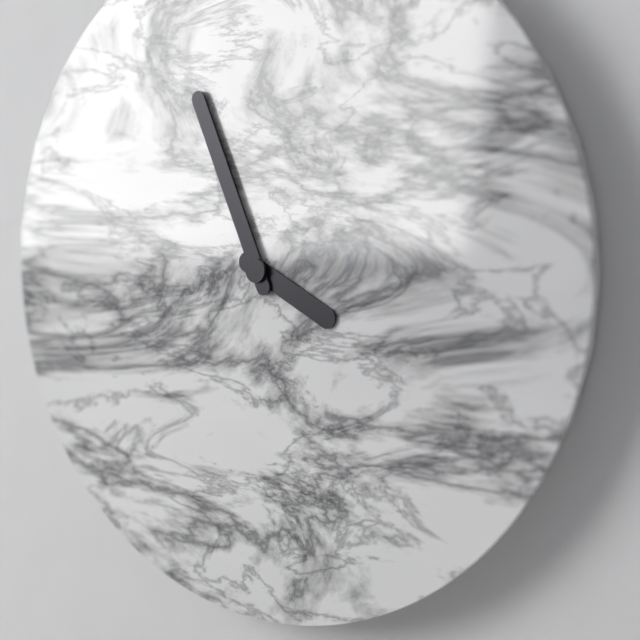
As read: 3h56
